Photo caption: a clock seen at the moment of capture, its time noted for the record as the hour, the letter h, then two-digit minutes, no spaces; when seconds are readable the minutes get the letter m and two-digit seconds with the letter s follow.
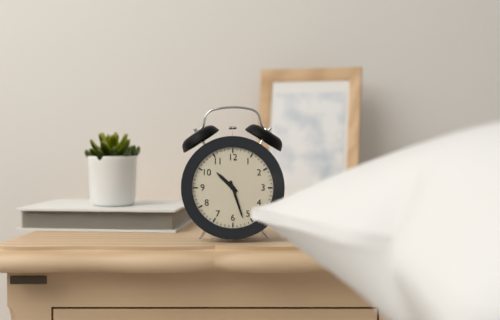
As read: 10h27
